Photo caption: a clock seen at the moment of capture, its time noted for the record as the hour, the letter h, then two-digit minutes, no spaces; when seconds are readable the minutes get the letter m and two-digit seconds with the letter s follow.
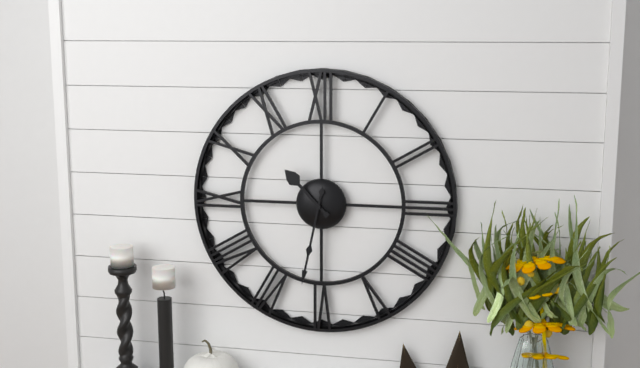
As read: 10h32
